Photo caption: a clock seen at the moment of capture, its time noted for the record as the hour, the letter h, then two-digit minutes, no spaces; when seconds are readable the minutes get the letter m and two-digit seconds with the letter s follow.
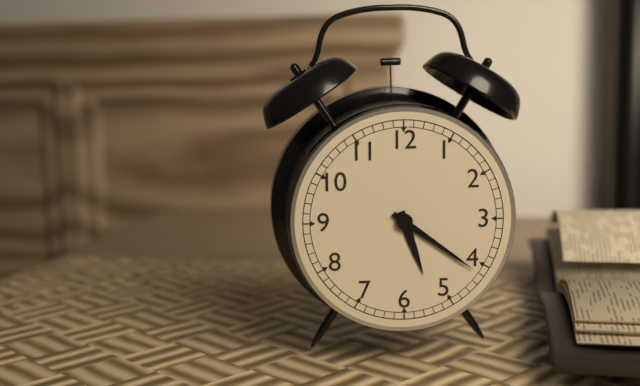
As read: 5h21
